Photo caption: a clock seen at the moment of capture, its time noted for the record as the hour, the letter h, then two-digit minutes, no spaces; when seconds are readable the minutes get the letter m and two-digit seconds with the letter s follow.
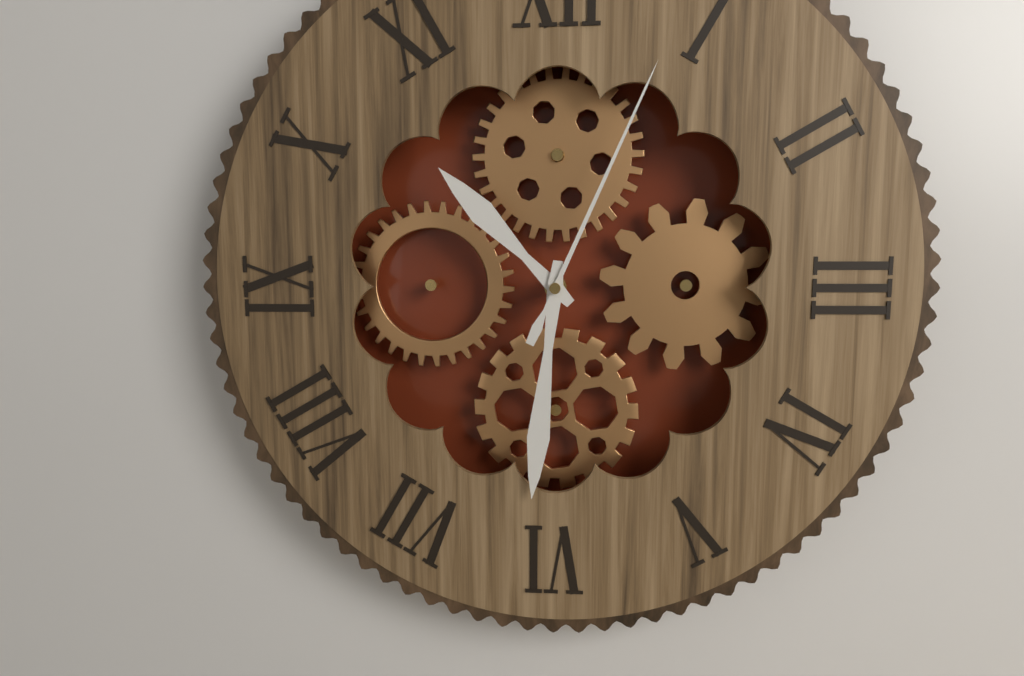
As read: 10h31m04s
